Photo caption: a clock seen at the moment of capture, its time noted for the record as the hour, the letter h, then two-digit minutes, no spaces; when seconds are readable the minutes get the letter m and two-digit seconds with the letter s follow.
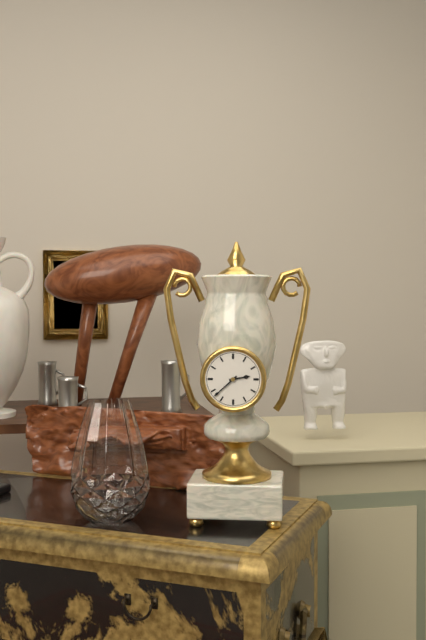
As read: 2h38
